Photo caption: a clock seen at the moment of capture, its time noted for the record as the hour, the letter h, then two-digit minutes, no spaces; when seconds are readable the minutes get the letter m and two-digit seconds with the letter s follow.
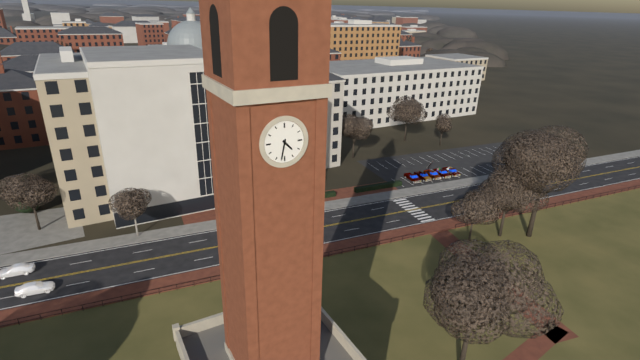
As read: 4h32
